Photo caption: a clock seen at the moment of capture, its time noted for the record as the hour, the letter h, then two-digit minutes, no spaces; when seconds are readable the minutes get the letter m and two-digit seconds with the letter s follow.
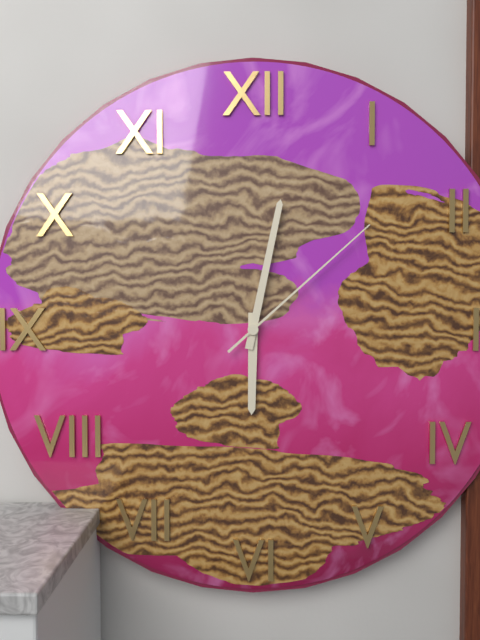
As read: 6h02m08s
